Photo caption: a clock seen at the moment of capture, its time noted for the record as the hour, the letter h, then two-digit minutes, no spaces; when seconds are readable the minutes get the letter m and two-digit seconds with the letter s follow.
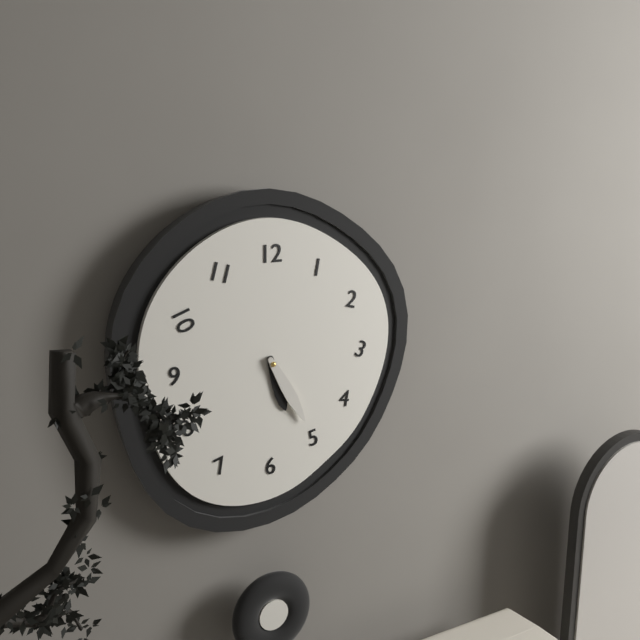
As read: 5h25
